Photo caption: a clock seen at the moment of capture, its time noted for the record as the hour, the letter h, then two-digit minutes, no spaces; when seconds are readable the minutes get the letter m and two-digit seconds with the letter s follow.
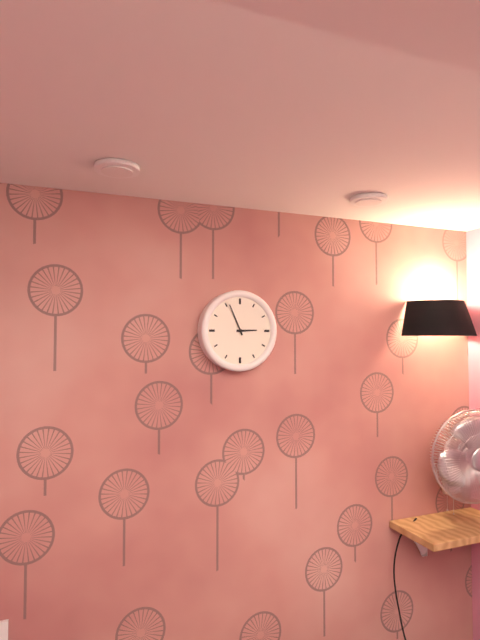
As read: 2h56
